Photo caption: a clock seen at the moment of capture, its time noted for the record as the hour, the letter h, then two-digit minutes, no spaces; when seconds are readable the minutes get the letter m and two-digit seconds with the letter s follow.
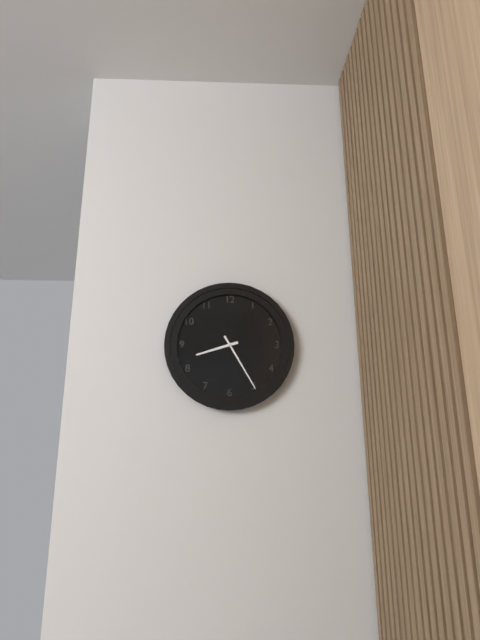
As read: 8h25
